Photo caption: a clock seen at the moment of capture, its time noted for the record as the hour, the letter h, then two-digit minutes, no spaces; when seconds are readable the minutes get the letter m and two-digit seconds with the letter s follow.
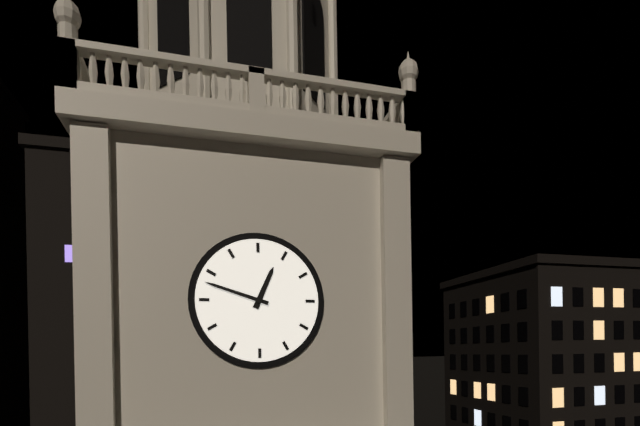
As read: 12h48
